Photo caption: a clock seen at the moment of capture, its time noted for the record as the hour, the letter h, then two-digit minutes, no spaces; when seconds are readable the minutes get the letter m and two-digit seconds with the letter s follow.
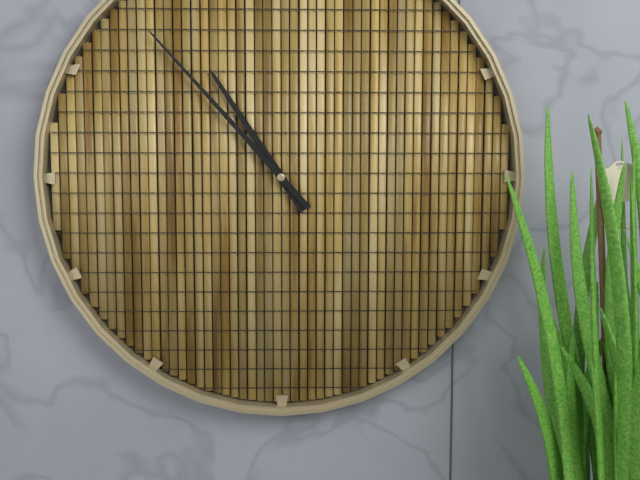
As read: 10h53
